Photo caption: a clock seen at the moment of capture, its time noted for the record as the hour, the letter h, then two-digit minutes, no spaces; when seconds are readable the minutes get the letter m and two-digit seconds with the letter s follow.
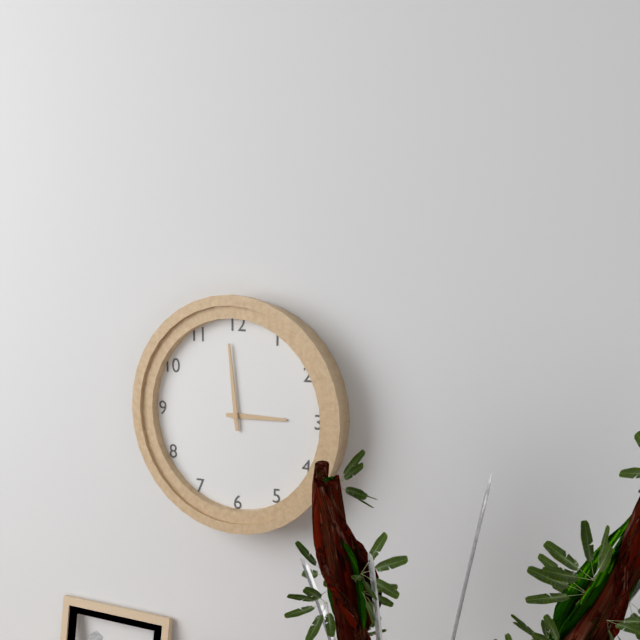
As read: 2h59
